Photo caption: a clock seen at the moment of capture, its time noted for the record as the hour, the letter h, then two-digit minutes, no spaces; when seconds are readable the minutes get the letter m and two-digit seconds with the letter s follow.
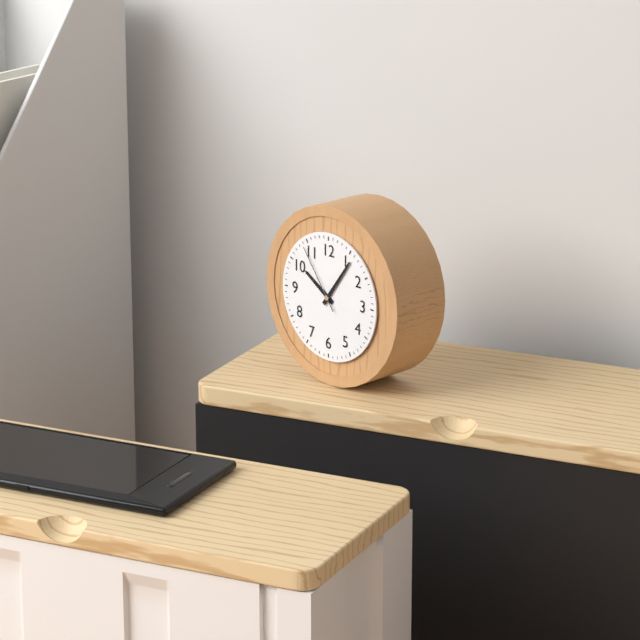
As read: 10h06m54s
